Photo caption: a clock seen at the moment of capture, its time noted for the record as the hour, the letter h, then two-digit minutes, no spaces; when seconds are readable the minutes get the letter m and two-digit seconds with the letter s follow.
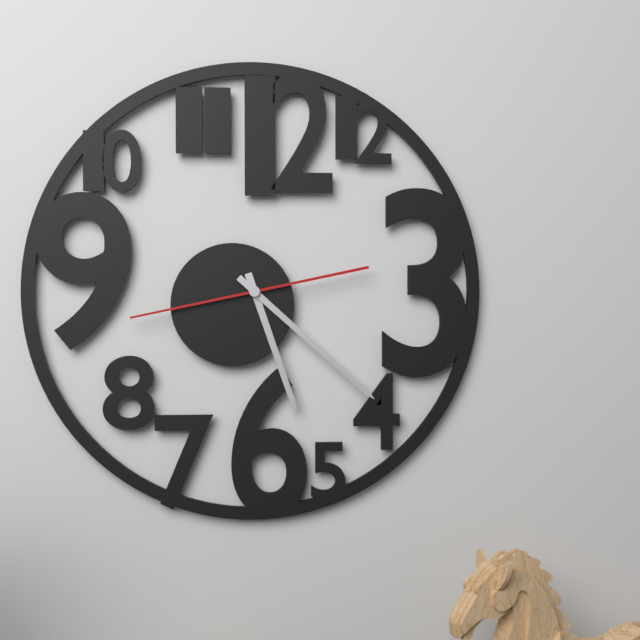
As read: 5h22m43s
